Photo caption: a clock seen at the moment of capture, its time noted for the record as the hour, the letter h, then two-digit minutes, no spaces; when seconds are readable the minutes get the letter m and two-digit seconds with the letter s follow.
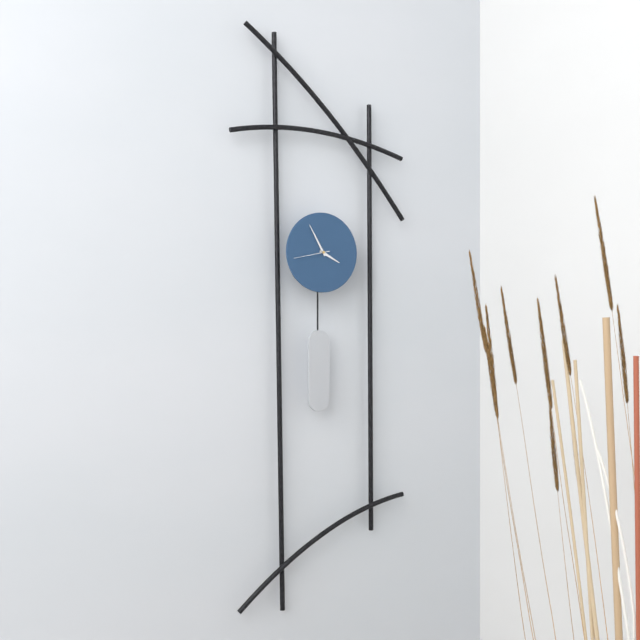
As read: 3h55
